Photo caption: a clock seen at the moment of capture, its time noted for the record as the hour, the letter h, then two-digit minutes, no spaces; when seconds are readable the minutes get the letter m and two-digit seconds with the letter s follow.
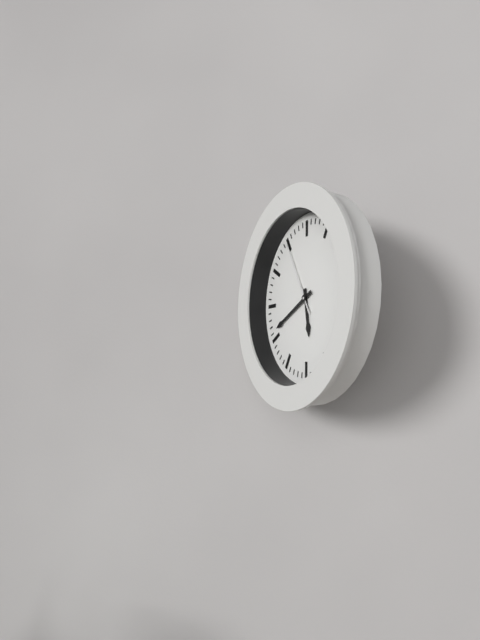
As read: 5h41m55s
